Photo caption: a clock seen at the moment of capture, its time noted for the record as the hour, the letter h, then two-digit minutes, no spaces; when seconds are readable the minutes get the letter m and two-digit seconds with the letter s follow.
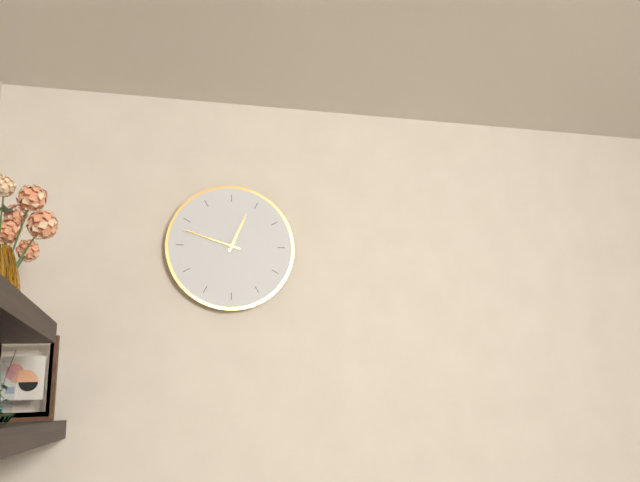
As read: 12h48
